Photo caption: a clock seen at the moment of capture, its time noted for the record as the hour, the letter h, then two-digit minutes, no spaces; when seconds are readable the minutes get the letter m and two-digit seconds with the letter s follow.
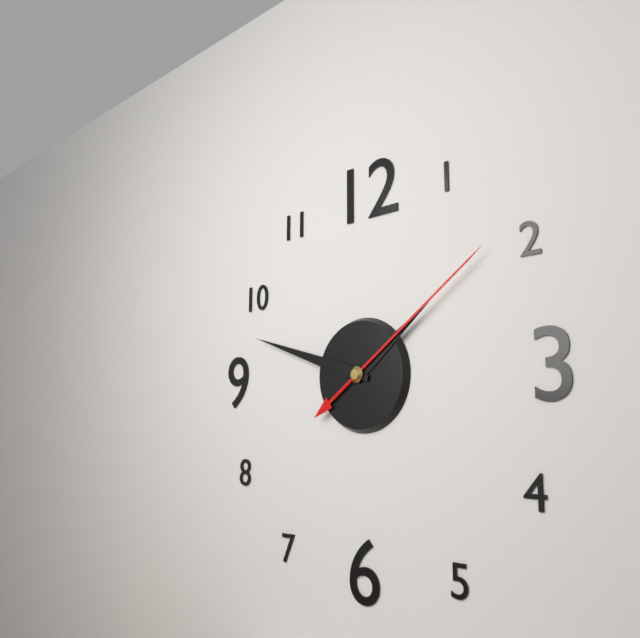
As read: 1h48m09s
